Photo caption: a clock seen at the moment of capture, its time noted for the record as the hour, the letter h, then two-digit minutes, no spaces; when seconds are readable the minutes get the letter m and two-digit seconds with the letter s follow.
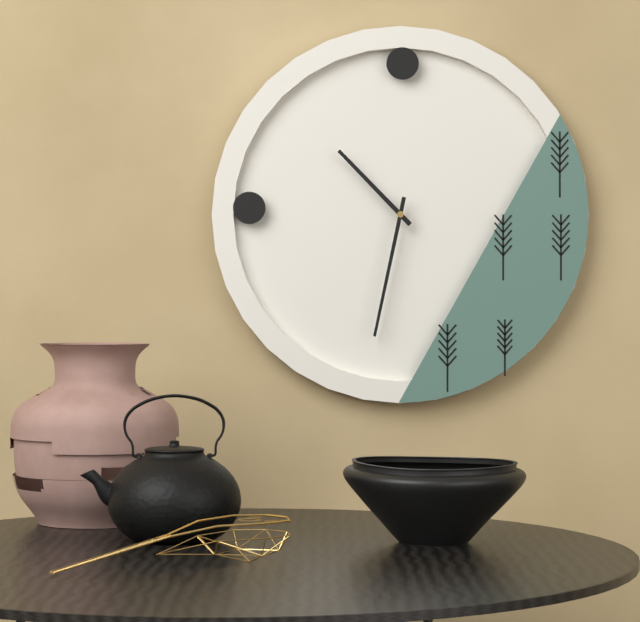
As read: 10h32
